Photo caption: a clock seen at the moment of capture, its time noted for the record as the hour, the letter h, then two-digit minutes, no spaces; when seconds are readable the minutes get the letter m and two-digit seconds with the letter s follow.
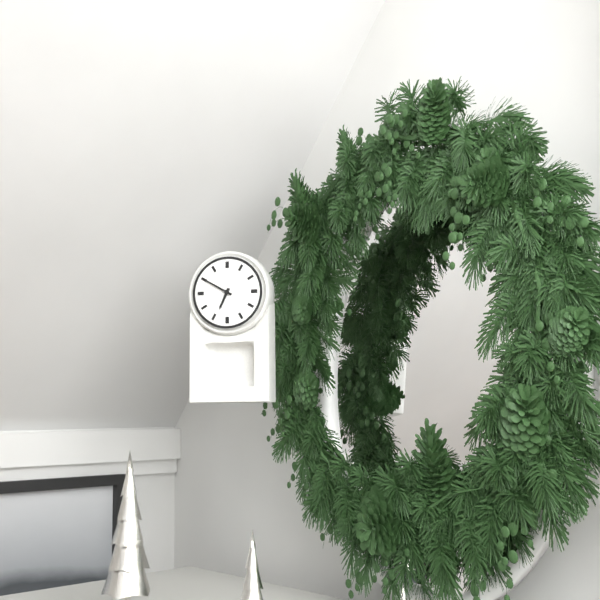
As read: 6h50
